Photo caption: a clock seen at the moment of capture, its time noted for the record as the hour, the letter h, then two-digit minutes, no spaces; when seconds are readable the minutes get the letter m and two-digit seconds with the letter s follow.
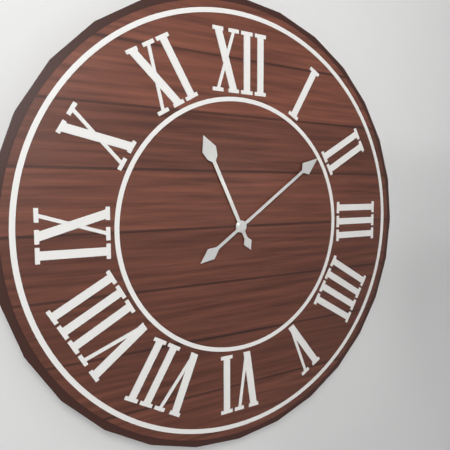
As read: 11h09
